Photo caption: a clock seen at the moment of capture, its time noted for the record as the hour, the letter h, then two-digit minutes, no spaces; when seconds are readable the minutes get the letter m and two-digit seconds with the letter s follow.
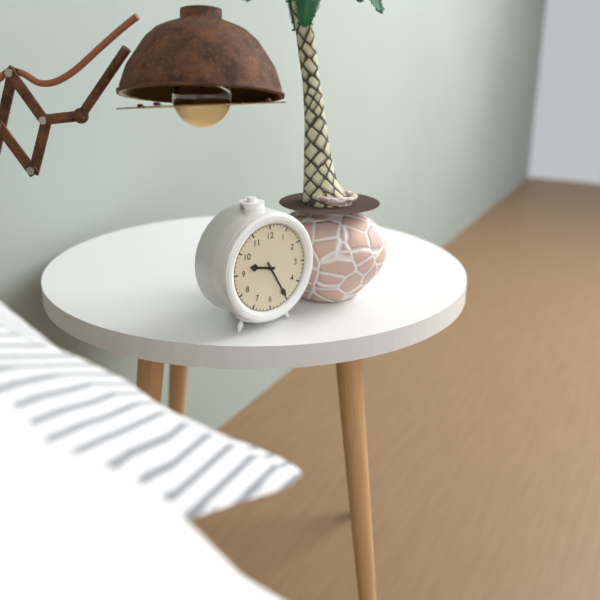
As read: 9h25
